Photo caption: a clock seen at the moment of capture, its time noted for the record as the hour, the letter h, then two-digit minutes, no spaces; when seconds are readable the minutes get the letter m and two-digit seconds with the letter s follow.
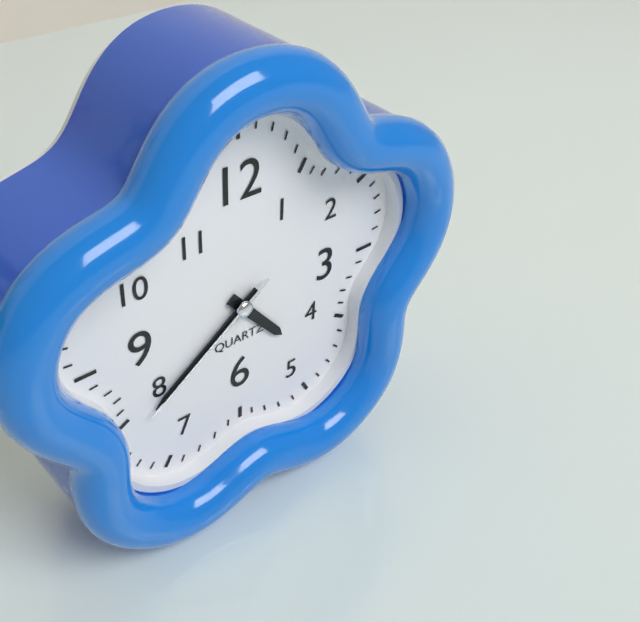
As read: 4h39m39s
